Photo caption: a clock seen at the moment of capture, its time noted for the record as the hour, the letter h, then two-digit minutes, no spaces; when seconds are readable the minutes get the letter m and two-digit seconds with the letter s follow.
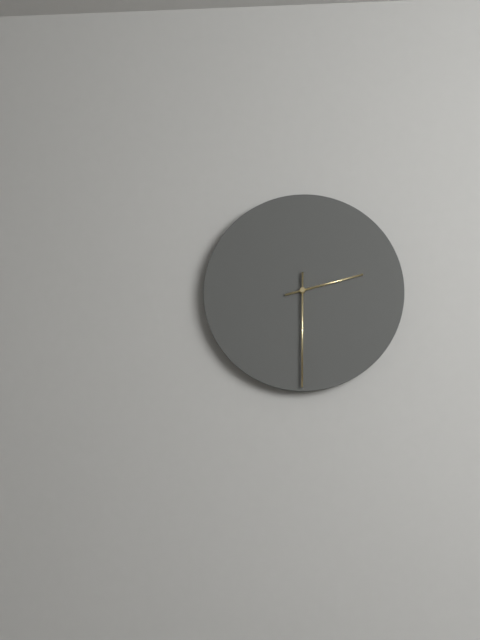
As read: 2h30
